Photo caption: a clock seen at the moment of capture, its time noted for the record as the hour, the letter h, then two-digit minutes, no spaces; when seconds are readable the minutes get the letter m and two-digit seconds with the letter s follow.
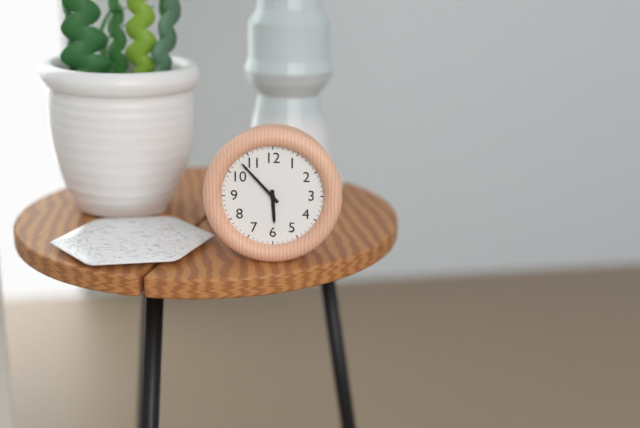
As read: 5h53
